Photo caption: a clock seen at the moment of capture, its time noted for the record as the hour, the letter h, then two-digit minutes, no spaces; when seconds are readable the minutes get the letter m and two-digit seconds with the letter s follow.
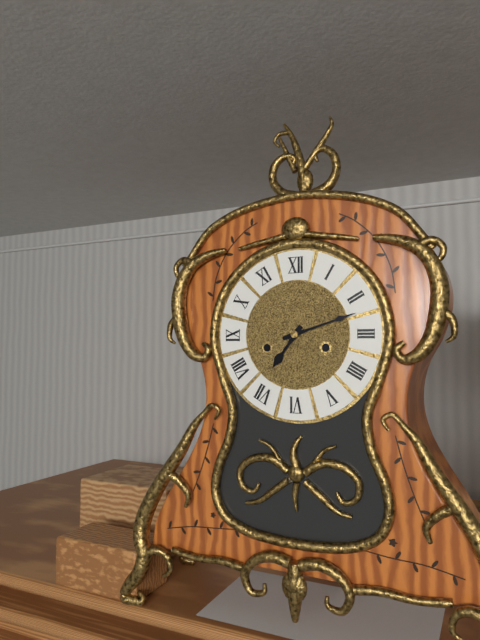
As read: 7h12
